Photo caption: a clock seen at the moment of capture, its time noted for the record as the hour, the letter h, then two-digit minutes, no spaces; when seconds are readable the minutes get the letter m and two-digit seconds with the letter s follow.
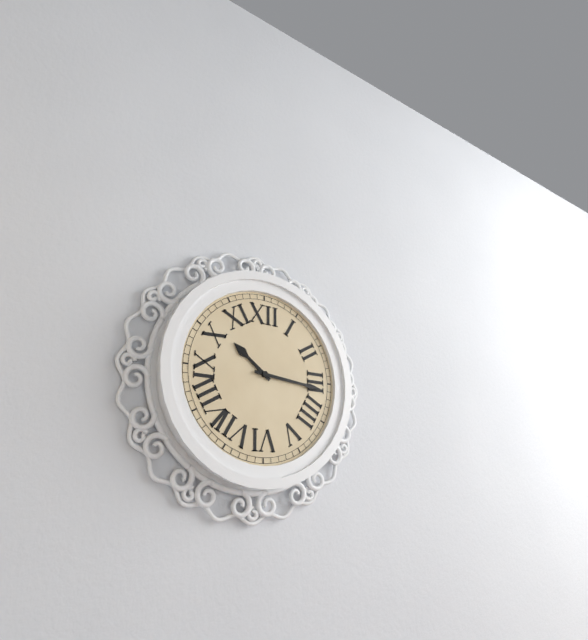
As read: 10h16
